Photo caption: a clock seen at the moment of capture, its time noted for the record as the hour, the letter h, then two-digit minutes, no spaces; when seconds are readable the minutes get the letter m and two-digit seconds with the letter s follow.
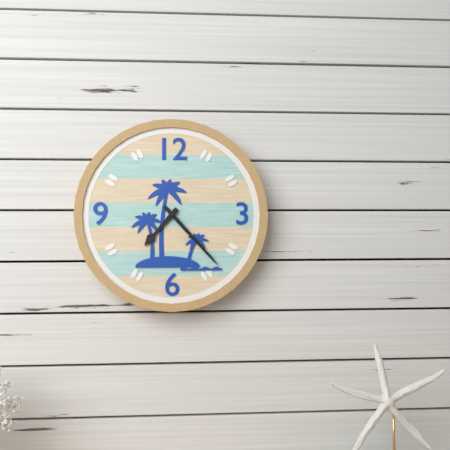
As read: 7h23
